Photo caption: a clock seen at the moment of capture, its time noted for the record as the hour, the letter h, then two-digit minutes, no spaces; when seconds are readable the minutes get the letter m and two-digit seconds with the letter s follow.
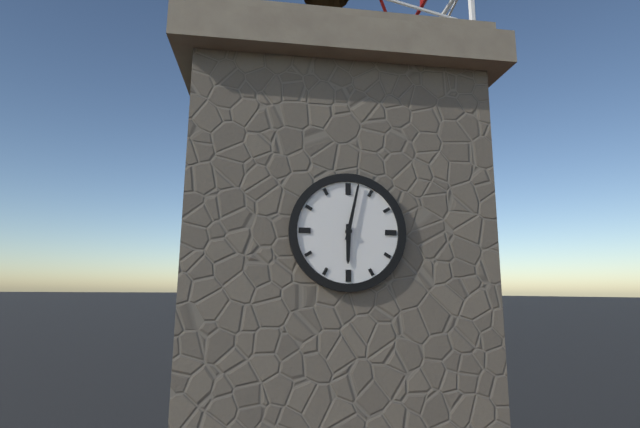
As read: 6h02
